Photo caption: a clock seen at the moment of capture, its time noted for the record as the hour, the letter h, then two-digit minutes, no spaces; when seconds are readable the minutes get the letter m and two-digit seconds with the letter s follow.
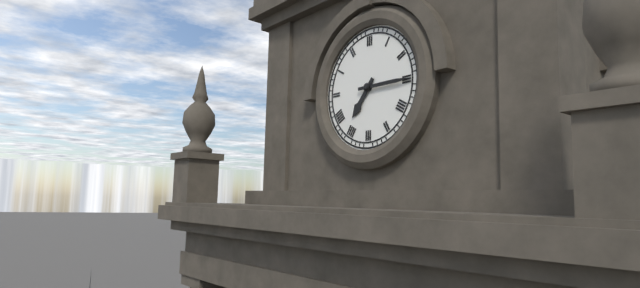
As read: 7h15
